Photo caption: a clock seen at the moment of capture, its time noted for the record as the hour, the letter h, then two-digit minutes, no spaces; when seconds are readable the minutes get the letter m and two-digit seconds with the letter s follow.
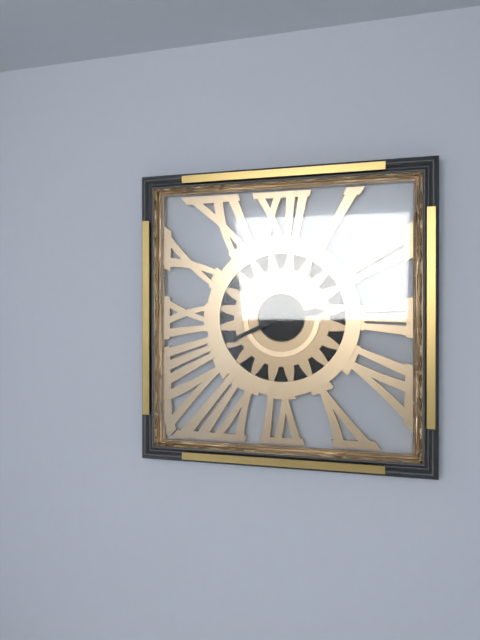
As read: 2h41
